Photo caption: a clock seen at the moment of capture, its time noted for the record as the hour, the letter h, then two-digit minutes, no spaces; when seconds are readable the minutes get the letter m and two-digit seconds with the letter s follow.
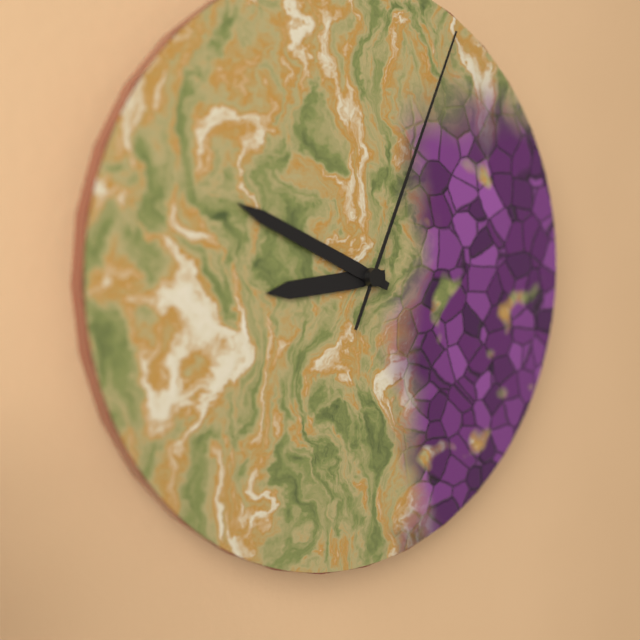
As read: 8h49m04s
